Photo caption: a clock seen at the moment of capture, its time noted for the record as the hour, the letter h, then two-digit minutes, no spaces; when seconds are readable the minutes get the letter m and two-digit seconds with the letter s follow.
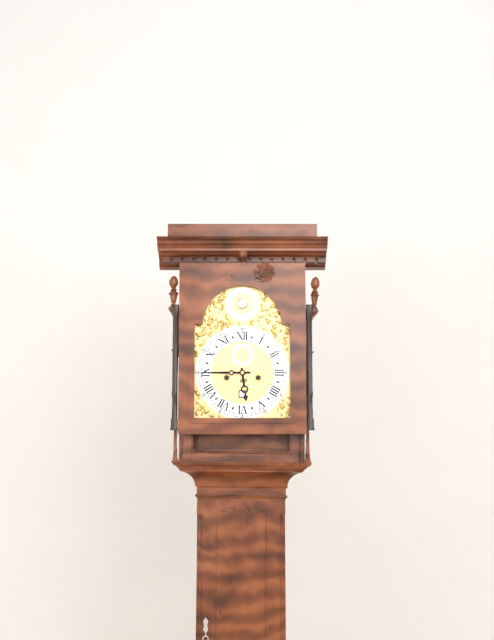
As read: 5h45
